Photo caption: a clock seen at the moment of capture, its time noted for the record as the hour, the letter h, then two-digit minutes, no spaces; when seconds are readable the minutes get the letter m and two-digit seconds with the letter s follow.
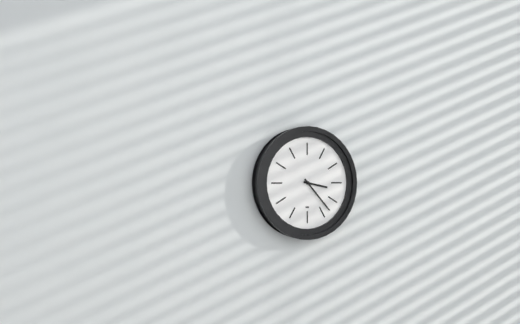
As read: 3h23
